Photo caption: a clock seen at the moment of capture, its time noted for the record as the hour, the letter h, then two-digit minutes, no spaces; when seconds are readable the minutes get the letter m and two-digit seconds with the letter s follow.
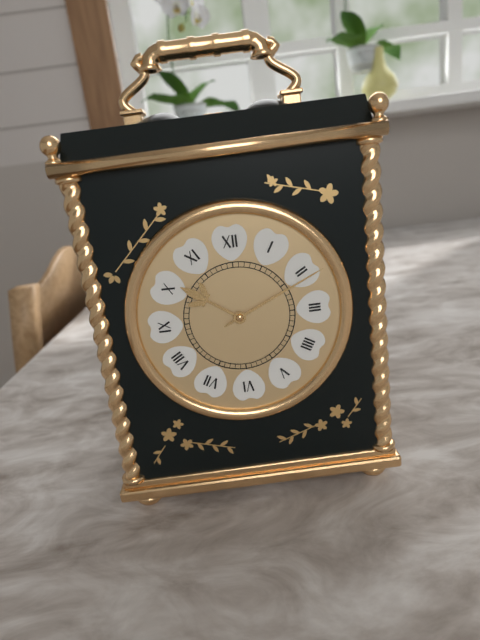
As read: 10h11
